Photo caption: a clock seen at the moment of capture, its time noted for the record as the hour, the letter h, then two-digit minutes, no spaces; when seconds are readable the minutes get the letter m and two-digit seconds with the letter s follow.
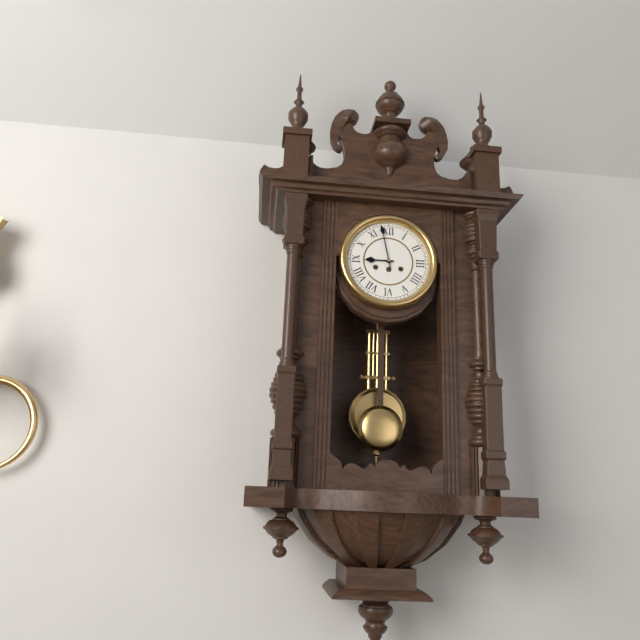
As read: 8h58
